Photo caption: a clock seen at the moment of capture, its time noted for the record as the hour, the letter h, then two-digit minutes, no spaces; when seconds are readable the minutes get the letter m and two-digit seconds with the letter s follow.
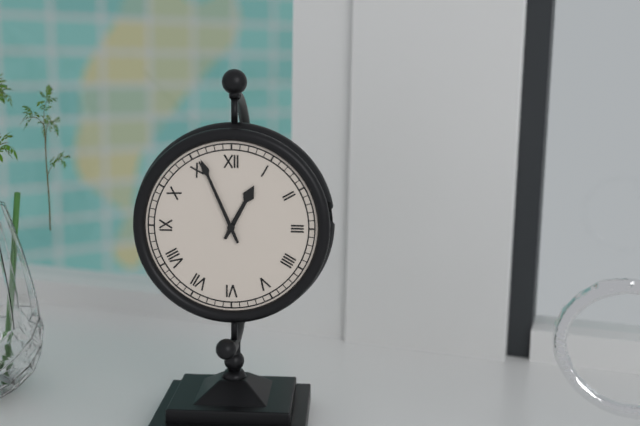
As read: 12h56
